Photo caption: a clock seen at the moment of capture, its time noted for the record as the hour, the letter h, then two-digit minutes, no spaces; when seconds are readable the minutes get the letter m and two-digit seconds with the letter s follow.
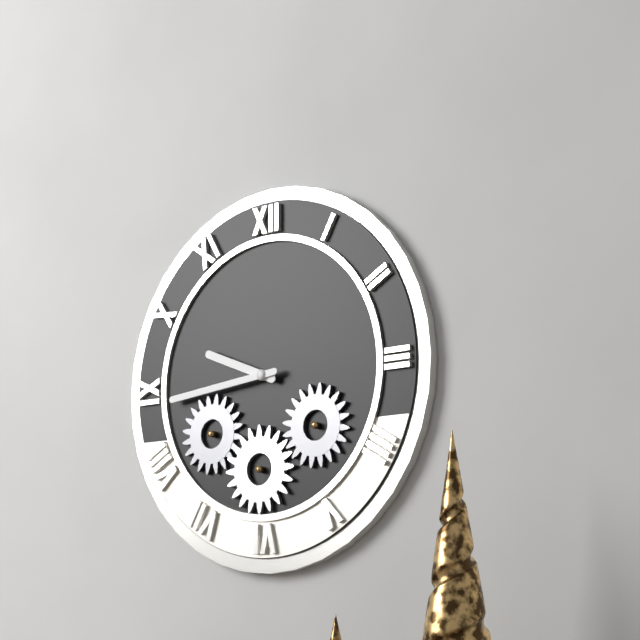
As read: 9h44
